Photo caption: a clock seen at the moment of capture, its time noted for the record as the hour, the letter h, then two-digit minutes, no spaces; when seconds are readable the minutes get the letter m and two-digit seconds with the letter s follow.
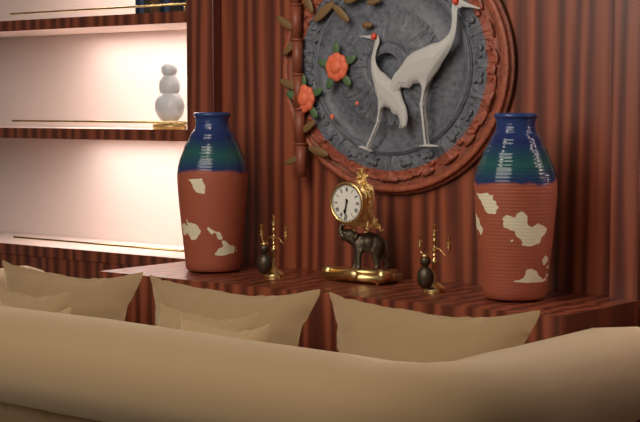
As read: 6h31
